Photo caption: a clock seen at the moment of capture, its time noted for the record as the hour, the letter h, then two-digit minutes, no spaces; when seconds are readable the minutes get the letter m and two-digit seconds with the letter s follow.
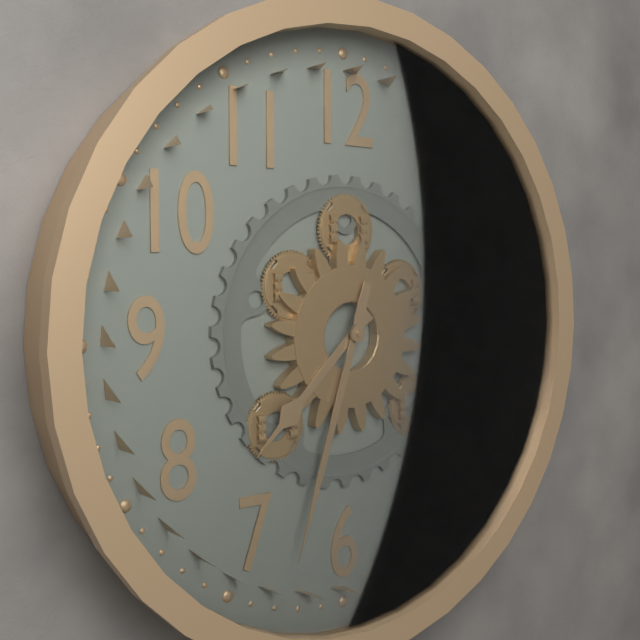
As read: 7h33
